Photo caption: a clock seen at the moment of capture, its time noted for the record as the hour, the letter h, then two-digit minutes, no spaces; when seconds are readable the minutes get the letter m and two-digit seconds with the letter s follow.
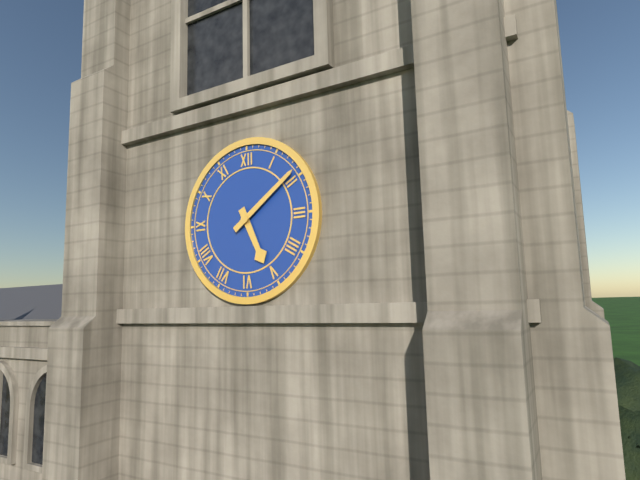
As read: 5h09
